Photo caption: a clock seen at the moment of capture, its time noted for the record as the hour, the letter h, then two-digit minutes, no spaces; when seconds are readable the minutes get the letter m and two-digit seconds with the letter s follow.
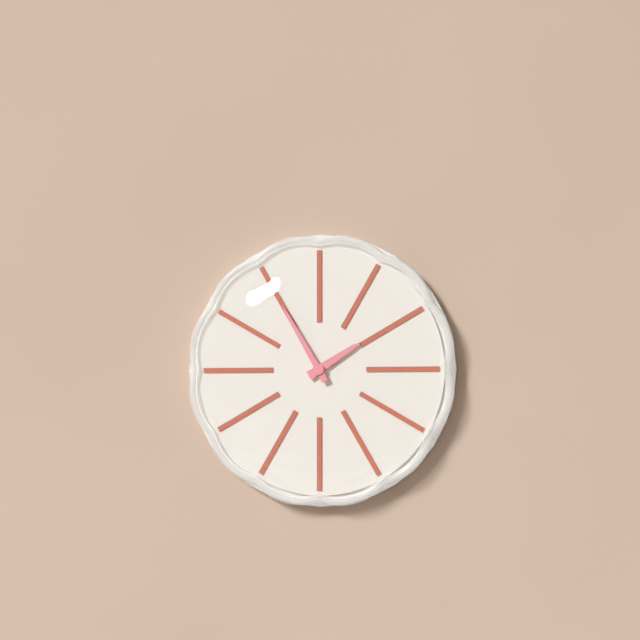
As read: 1h55
